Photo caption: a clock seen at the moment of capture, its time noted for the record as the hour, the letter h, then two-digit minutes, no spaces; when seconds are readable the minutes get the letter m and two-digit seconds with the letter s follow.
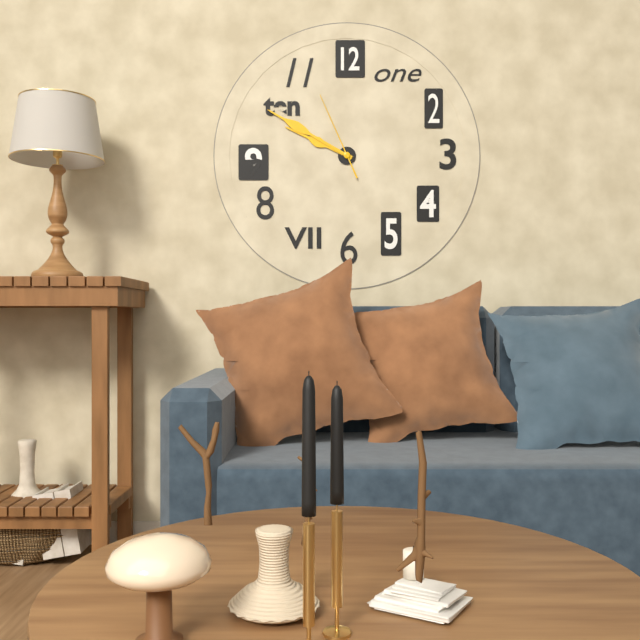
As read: 9h50m56s
